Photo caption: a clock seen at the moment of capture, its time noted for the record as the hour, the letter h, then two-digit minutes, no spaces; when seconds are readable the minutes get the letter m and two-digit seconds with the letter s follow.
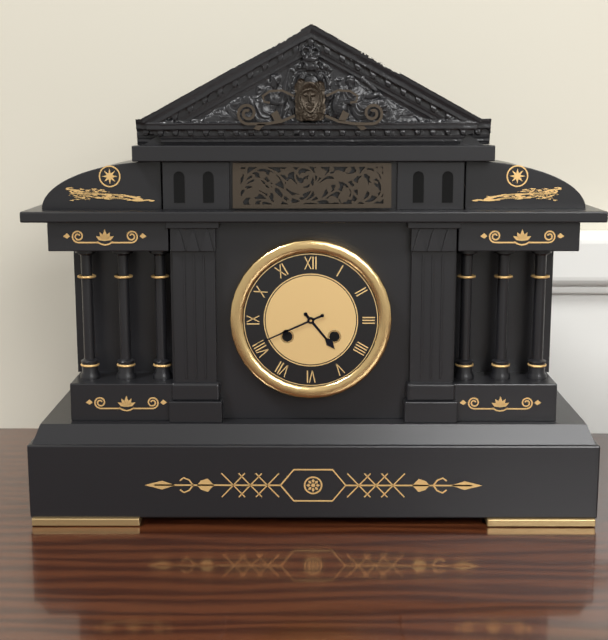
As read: 4h41
